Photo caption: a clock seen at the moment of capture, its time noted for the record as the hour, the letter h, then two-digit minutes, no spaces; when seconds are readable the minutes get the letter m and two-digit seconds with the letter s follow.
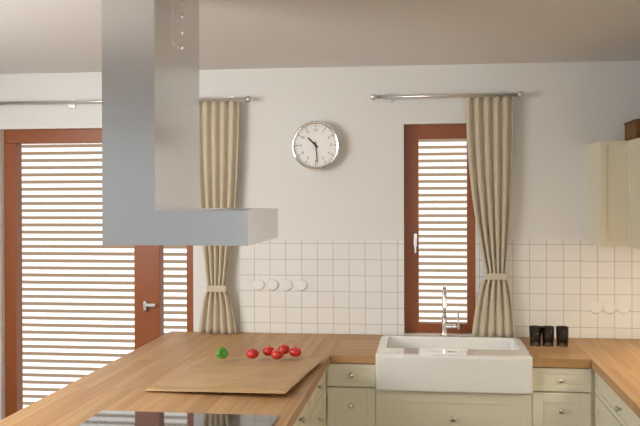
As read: 10h29
